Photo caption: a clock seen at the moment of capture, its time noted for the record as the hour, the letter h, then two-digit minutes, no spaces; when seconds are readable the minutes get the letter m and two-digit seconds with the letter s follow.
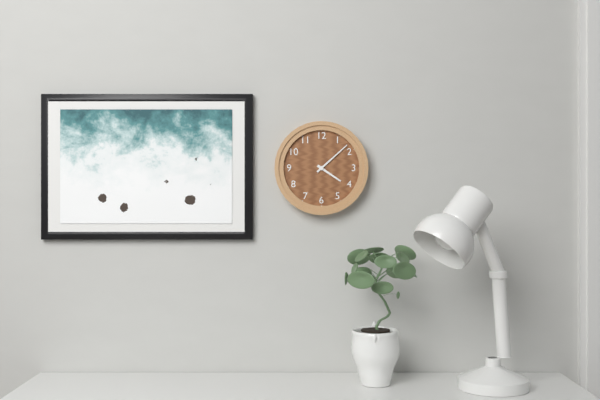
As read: 4h08
